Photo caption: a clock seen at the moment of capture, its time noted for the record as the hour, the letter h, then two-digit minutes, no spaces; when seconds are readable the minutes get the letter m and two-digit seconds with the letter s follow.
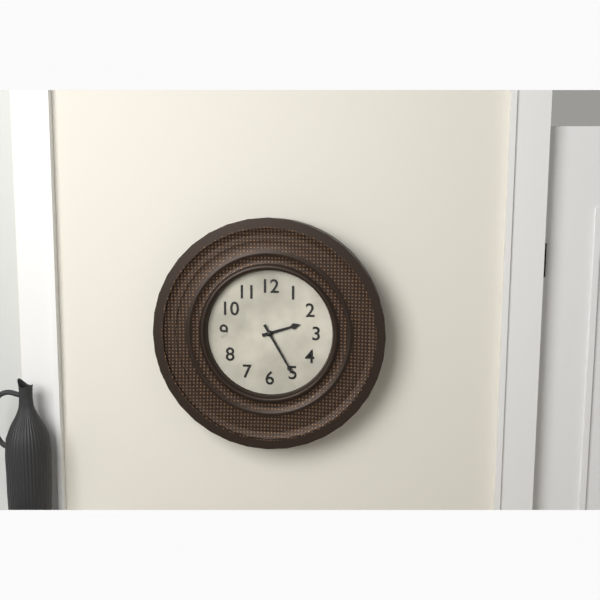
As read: 2h25
